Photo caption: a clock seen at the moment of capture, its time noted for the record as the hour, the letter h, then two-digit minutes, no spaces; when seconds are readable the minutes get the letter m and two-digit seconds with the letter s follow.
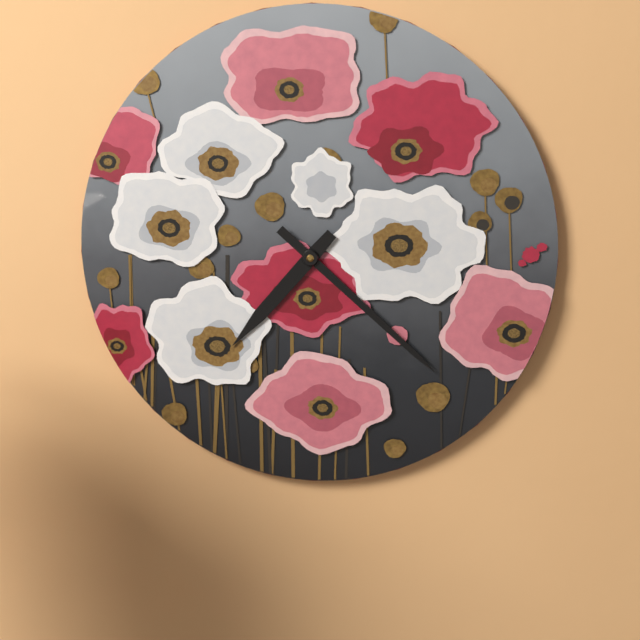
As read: 7h22
